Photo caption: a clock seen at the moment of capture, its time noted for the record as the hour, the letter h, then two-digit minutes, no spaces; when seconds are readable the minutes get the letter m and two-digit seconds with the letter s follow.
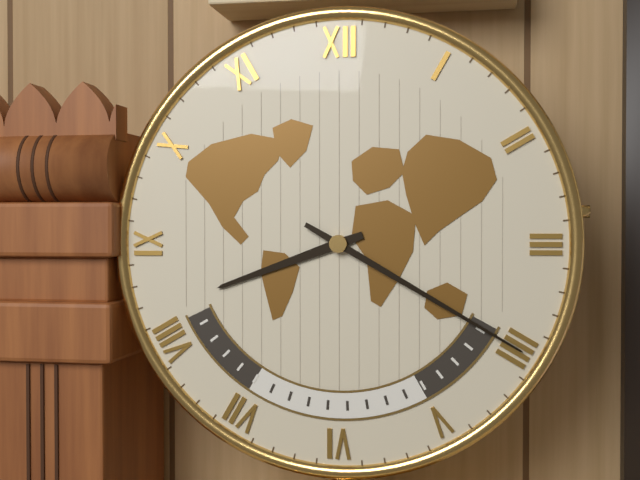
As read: 8h20
